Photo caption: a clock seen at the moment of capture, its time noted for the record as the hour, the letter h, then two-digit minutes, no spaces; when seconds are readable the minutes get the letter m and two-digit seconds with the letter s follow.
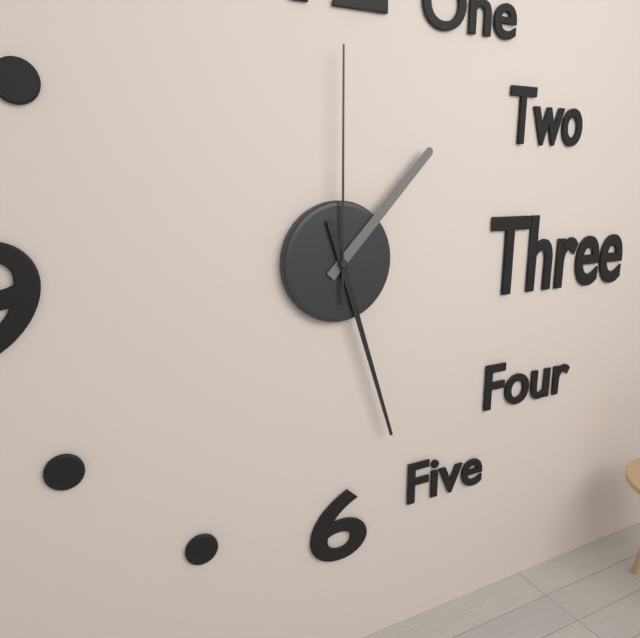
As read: 1h27m00s
